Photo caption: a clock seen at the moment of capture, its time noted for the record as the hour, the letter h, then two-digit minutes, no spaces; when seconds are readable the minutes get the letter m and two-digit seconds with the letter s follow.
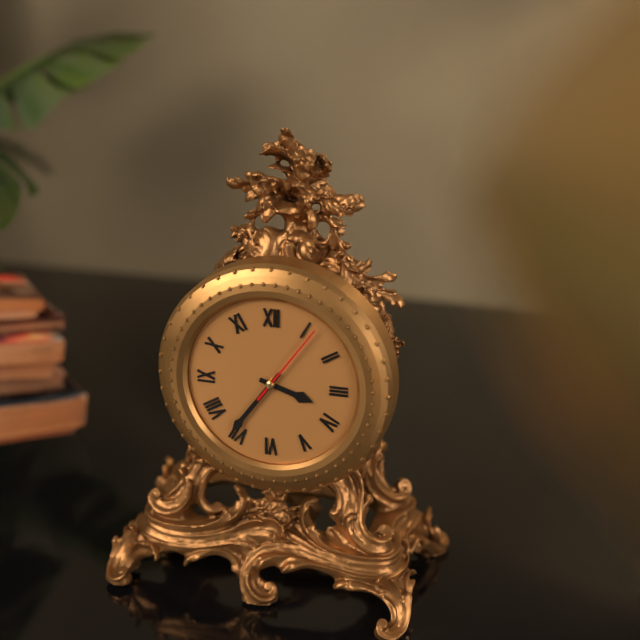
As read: 3h36m06s
